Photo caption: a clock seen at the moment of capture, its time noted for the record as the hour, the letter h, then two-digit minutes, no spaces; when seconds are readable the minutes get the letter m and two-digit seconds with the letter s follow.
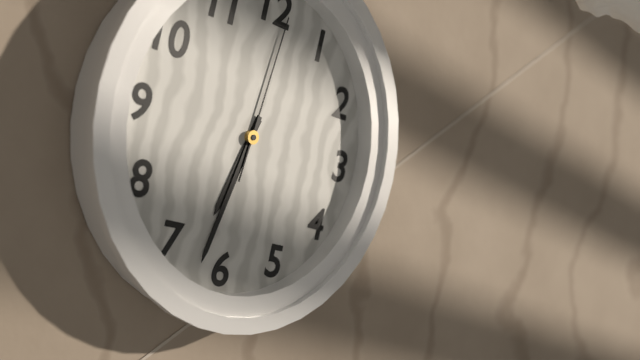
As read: 6h32m01s
